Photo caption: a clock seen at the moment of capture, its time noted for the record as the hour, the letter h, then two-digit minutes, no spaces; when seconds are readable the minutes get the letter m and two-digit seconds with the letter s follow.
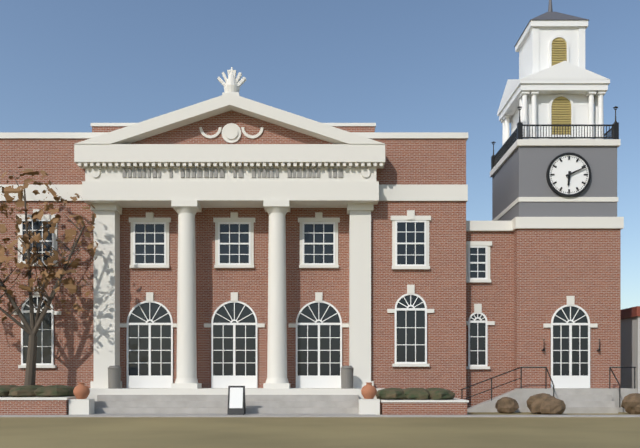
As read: 6h11
